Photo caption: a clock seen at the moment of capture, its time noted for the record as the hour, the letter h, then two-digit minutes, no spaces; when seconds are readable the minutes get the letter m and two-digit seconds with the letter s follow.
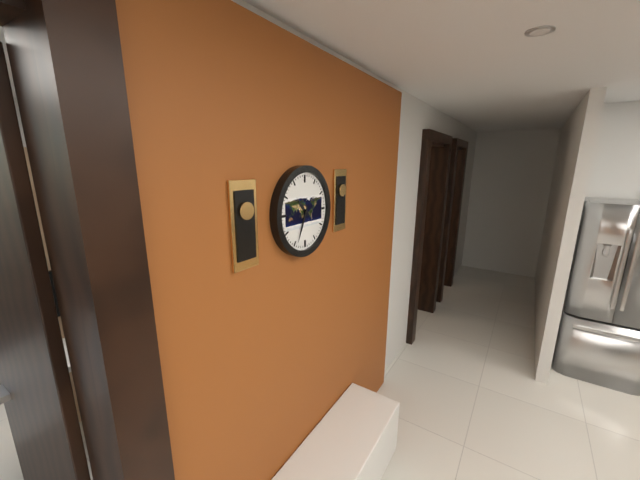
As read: 10h34
